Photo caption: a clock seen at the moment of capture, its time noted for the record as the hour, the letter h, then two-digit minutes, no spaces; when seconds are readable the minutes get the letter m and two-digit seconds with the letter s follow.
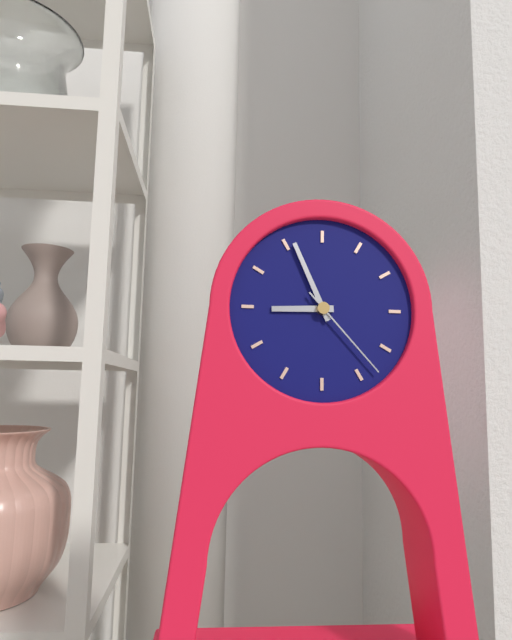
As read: 8h56m23s
